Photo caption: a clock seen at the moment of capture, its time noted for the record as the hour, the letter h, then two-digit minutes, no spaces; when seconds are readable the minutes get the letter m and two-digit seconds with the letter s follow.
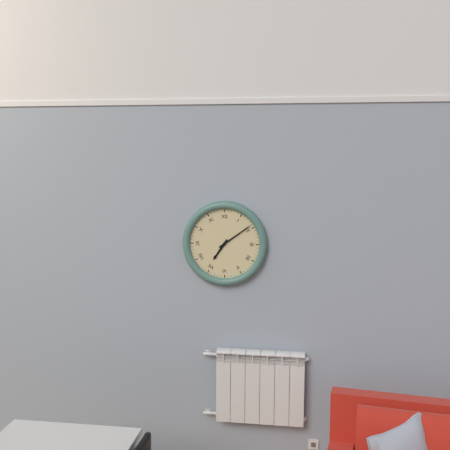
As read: 7h09
